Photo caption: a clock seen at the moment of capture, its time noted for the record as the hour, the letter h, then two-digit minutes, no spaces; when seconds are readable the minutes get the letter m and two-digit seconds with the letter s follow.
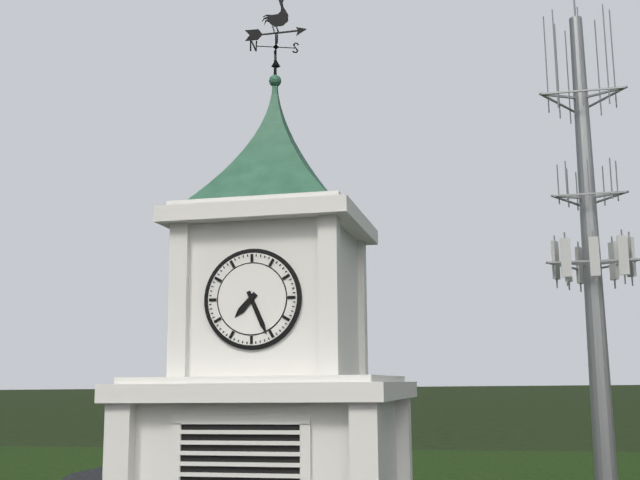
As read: 7h26
